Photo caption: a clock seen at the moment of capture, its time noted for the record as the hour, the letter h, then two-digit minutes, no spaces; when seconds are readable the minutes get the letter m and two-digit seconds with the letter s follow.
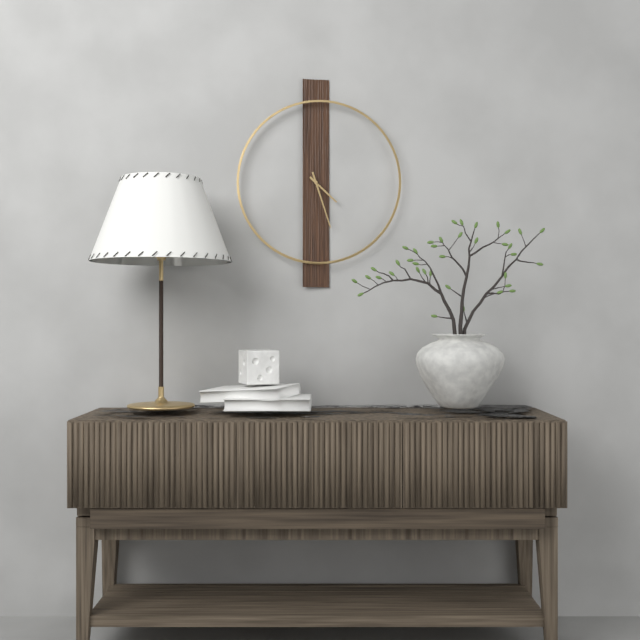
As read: 4h27
